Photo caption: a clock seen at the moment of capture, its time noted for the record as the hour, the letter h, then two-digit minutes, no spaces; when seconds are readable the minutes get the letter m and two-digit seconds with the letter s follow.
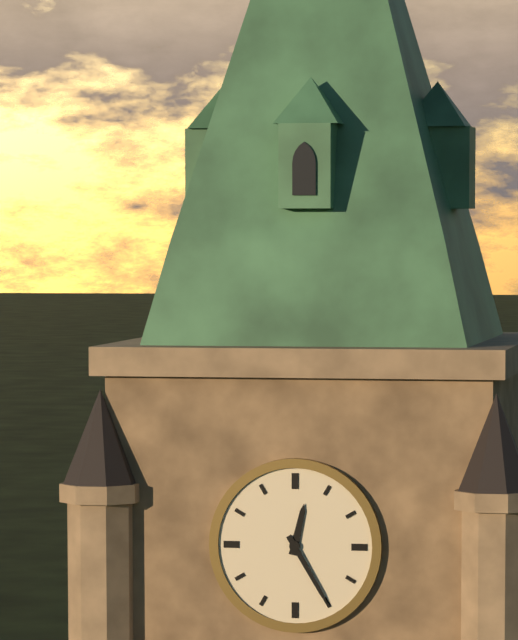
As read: 12h25
